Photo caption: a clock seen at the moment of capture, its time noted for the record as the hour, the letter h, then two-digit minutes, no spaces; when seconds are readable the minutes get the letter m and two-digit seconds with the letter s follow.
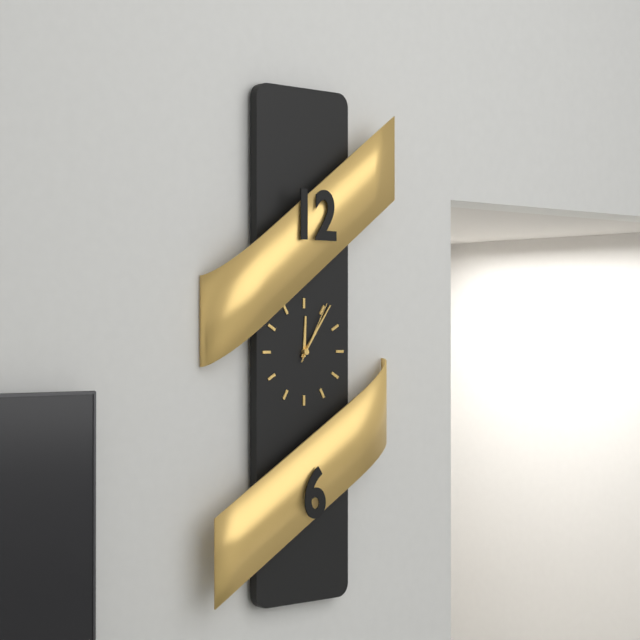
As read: 12h06m05s
